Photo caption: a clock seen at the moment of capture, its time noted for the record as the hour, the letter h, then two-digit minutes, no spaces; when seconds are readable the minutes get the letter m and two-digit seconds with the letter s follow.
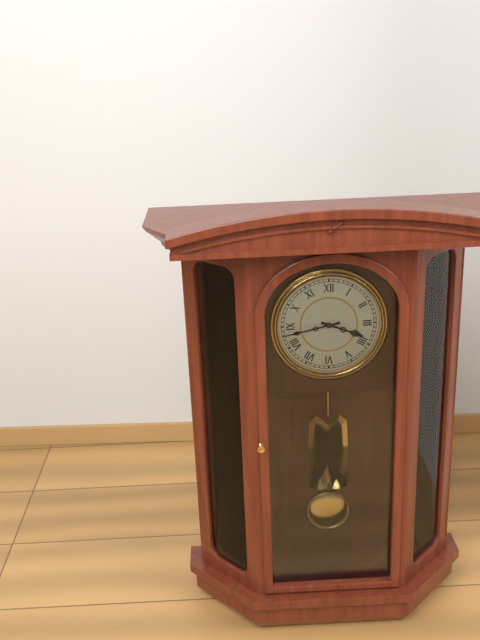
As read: 3h43
